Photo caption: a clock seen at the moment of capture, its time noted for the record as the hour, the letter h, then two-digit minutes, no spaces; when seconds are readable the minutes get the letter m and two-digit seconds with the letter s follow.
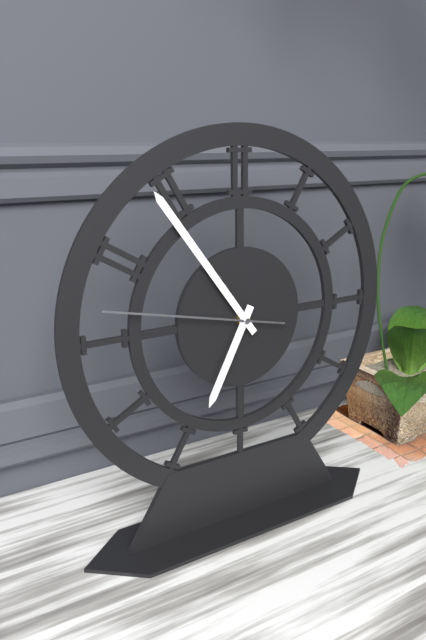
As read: 6h54m47s
